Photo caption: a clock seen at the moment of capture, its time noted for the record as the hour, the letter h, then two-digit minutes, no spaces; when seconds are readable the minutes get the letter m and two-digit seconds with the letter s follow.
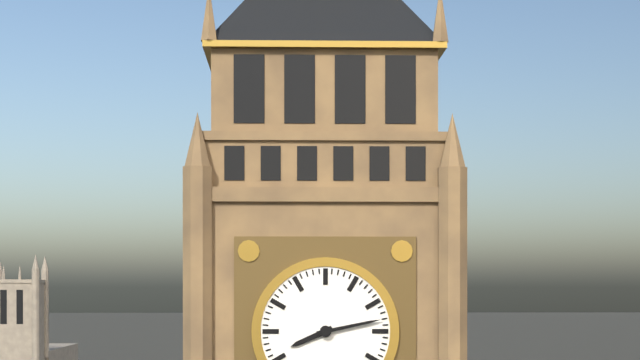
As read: 8h13
